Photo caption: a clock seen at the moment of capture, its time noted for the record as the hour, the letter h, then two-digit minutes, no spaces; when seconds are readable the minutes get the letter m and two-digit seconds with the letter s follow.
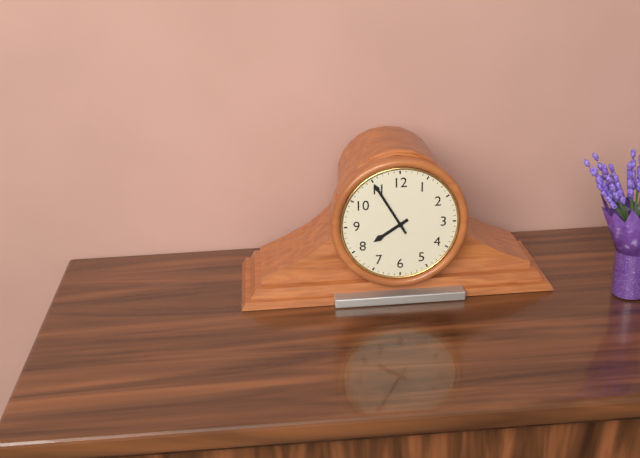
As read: 7h55
